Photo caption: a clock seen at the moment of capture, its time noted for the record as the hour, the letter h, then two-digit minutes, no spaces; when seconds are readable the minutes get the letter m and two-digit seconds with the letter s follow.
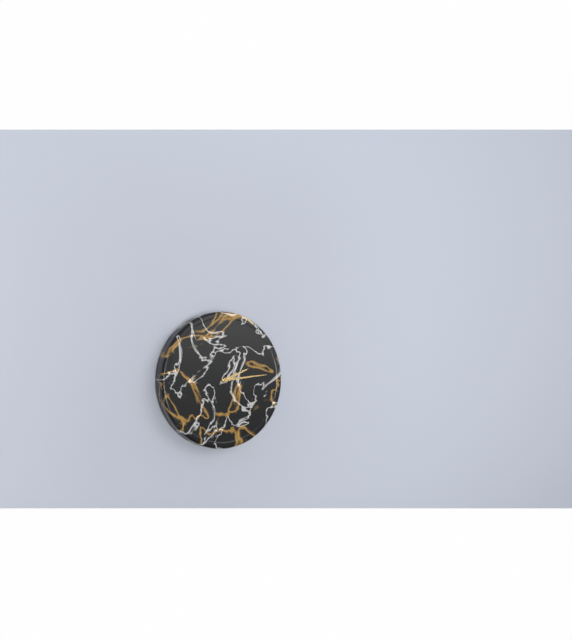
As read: 2h14
